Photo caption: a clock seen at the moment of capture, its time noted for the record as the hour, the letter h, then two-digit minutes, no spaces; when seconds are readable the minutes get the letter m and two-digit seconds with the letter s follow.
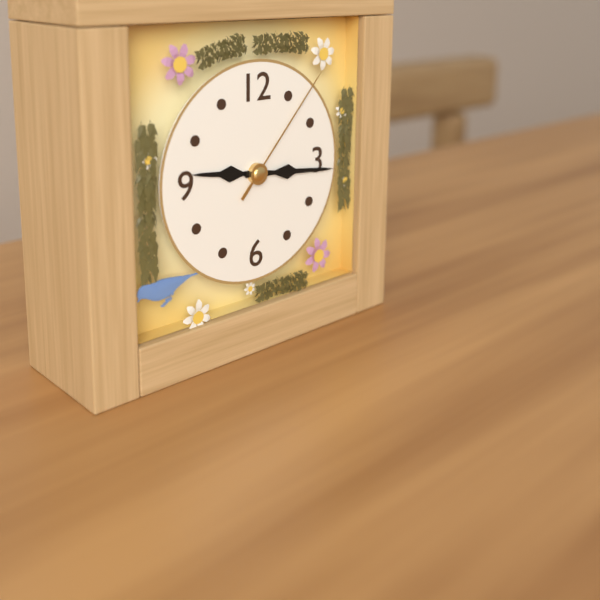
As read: 9h16m07s
